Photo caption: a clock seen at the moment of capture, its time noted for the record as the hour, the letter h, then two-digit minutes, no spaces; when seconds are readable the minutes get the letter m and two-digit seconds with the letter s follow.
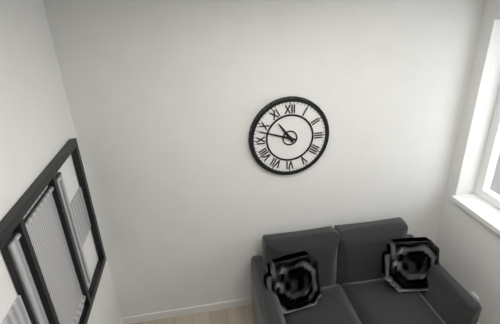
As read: 10h48
